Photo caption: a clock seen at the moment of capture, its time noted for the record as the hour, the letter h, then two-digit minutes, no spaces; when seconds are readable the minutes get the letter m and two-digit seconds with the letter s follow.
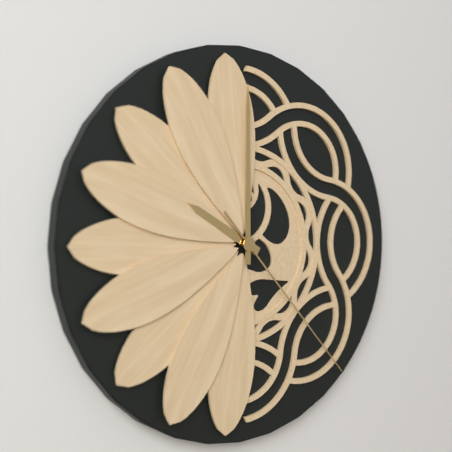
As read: 10h00m23s
